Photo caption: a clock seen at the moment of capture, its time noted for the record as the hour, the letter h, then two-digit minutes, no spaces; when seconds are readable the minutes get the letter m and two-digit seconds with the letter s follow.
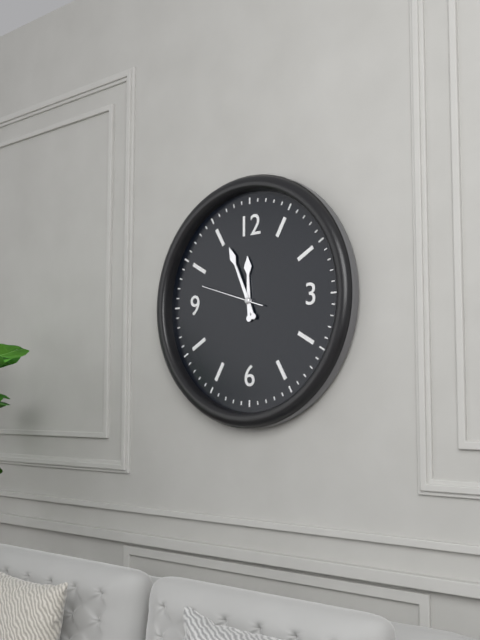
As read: 11h56m48s
